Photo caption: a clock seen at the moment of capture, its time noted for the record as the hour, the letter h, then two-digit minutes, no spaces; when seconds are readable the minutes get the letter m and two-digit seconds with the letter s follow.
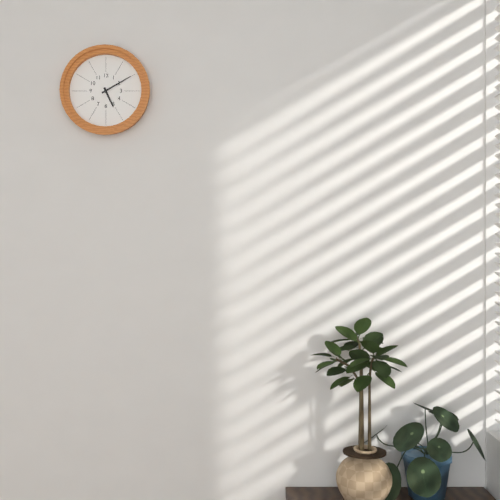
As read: 5h10
